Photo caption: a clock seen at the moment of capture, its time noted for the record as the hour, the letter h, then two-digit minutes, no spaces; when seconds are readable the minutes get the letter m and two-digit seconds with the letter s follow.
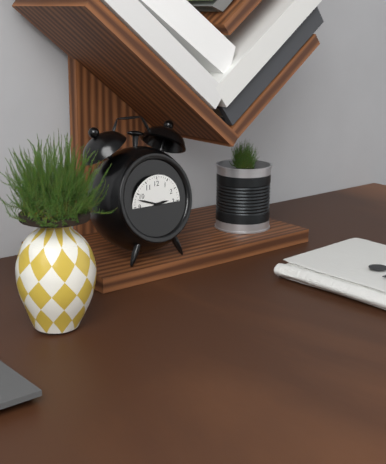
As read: 2h48
